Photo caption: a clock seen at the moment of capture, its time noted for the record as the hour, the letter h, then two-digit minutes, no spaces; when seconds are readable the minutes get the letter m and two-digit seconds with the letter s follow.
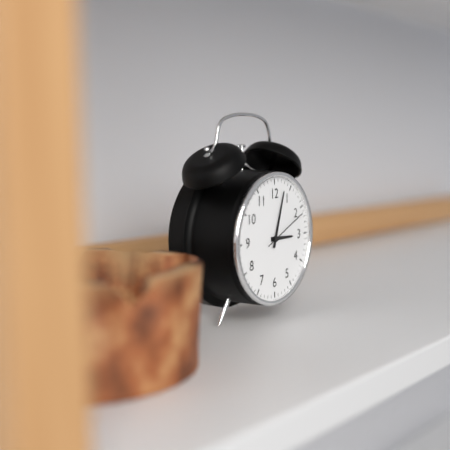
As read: 3h03
